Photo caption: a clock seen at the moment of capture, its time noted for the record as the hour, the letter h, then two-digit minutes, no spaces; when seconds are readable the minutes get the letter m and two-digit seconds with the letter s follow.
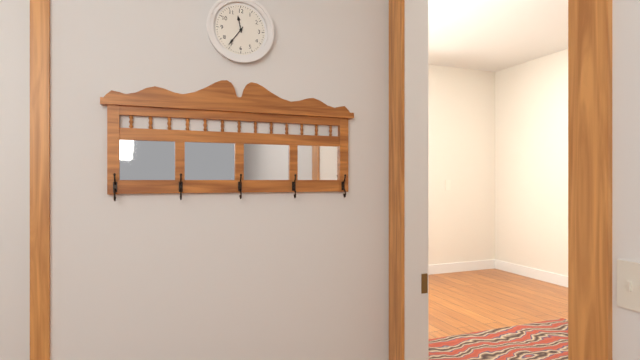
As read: 11h36
